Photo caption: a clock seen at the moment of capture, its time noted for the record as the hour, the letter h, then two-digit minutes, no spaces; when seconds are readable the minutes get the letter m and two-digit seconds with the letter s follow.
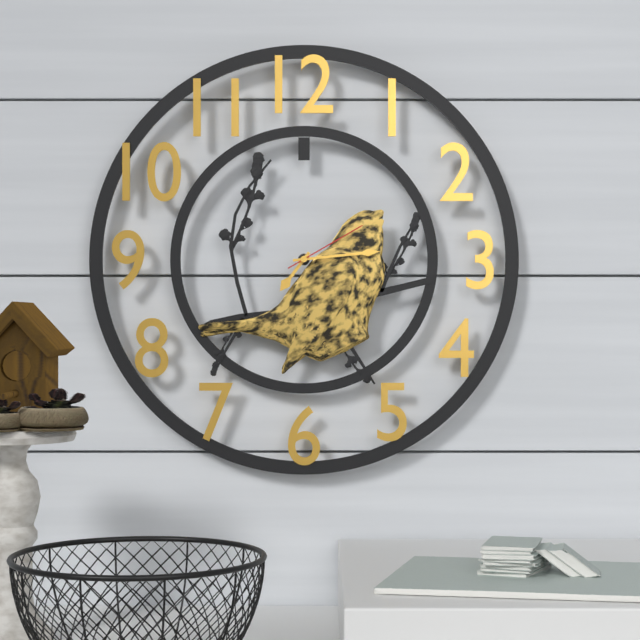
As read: 7h14m10s
